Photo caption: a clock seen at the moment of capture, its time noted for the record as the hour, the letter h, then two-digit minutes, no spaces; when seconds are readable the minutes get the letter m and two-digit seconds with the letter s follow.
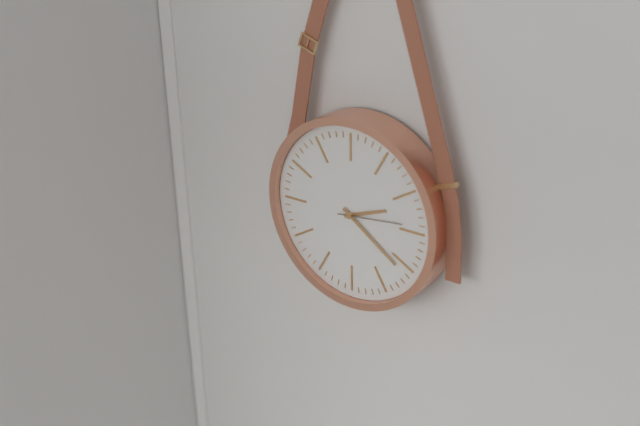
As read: 2h21
